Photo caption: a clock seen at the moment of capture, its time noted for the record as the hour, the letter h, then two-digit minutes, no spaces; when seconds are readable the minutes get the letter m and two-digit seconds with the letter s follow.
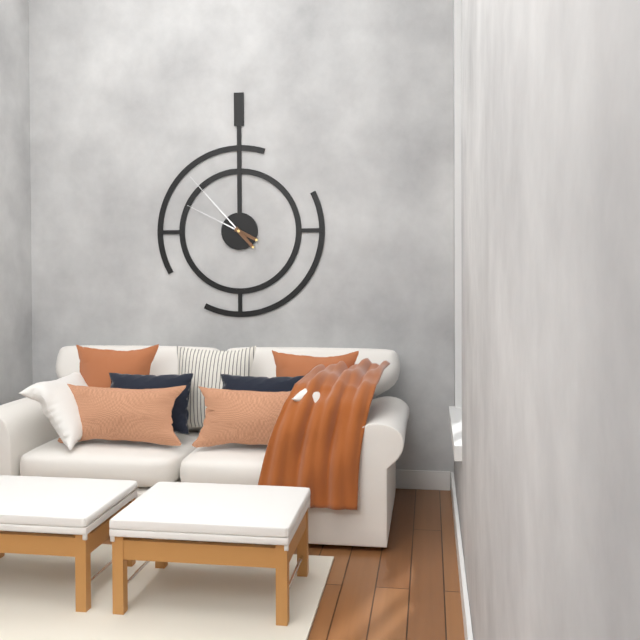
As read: 9h53
